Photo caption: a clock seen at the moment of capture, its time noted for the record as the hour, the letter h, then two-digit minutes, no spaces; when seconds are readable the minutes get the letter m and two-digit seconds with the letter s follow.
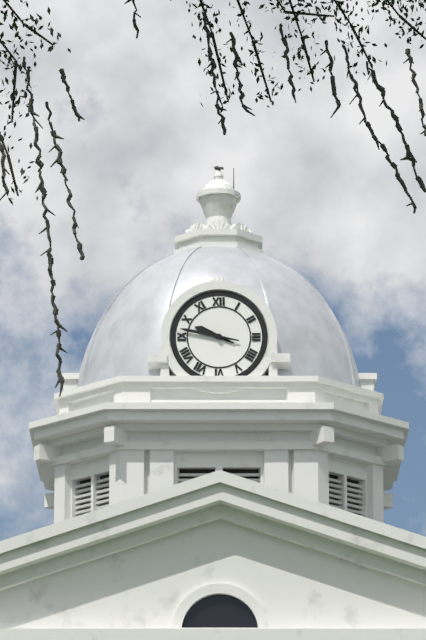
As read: 9h47
